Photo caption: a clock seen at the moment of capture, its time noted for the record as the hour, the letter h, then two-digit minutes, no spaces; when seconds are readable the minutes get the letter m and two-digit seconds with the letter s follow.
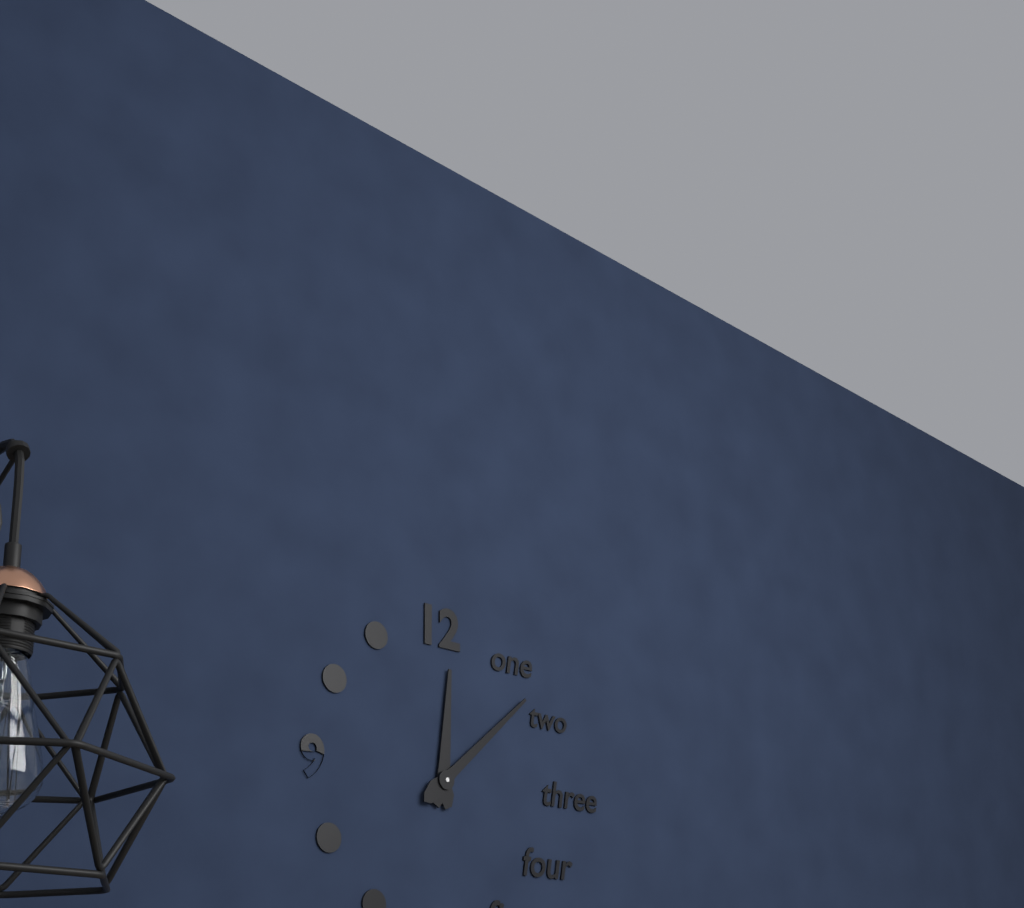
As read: 12h08
